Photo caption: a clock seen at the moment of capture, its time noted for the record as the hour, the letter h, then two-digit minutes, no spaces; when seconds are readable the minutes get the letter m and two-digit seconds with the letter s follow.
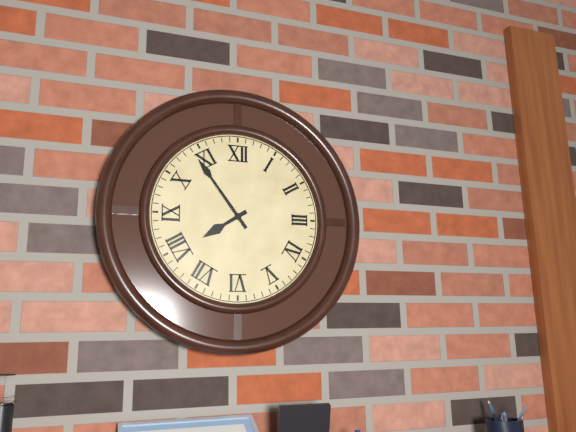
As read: 7h54
